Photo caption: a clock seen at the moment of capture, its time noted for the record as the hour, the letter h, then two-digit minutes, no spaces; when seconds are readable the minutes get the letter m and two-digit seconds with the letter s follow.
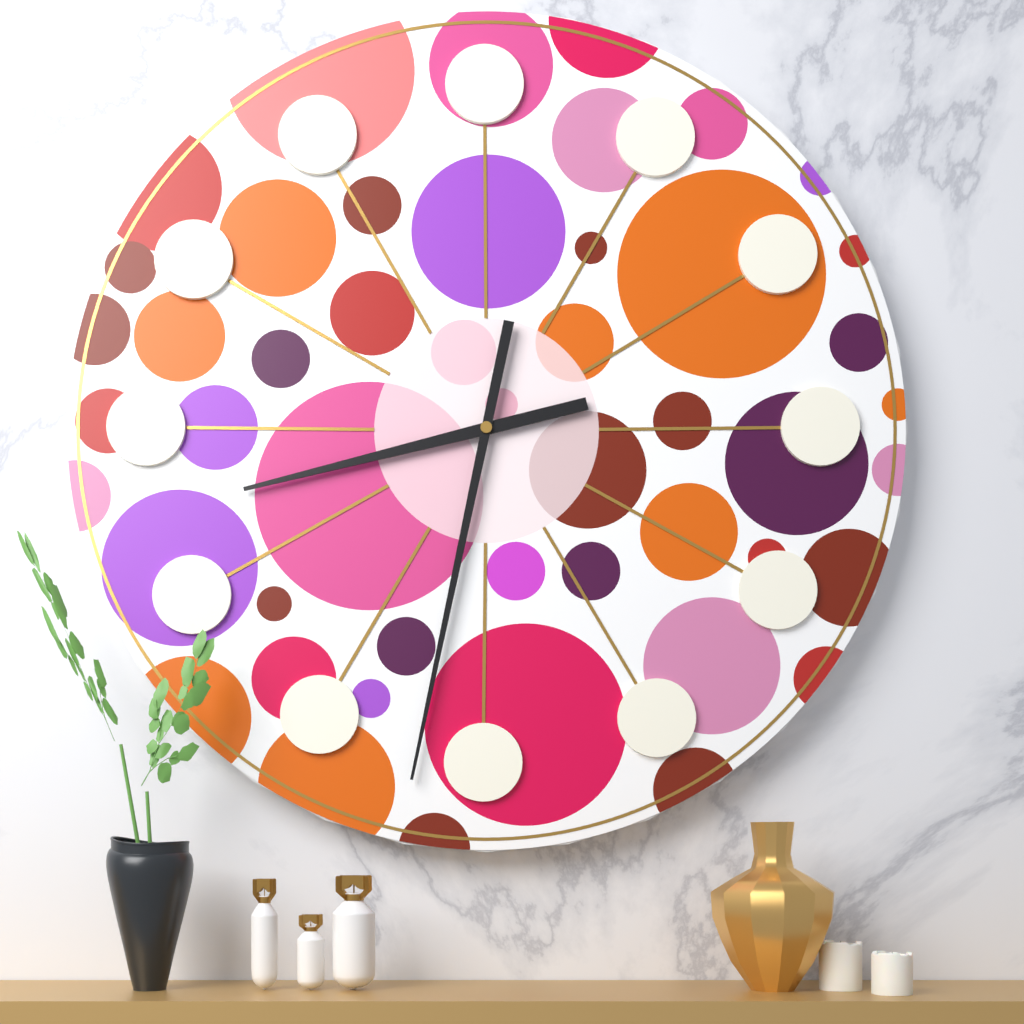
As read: 8h32
